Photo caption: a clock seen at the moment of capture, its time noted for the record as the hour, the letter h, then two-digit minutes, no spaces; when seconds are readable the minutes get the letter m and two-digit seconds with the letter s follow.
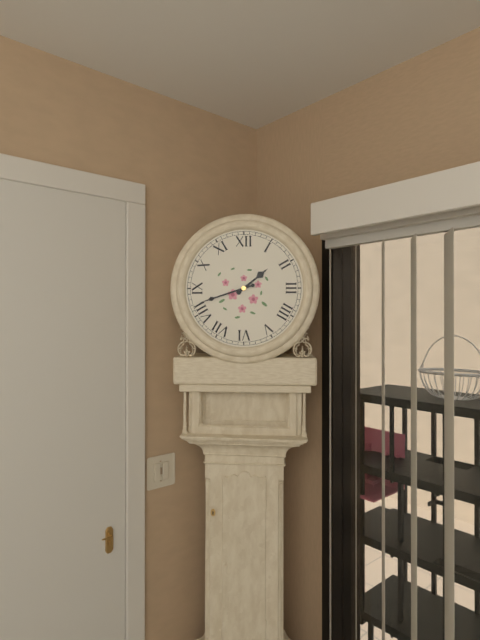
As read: 1h42
